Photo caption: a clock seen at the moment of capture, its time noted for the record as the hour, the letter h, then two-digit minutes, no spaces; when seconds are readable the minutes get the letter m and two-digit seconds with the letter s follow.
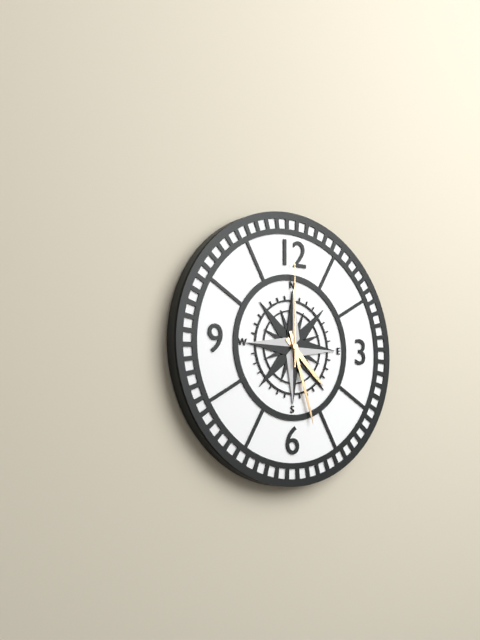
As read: 4h27m00s
